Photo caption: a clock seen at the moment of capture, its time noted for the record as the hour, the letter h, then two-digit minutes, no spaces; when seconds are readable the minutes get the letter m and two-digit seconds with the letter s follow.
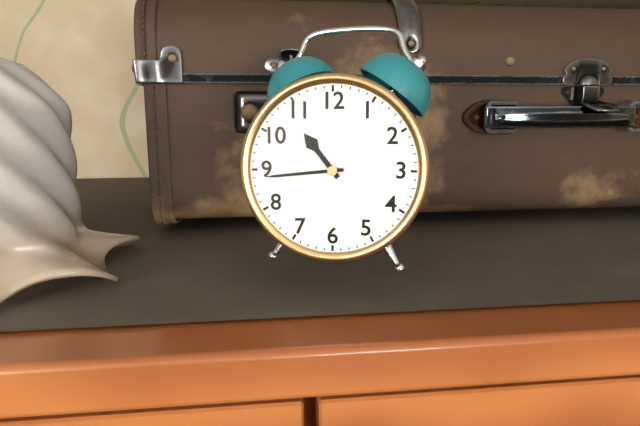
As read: 10h44
